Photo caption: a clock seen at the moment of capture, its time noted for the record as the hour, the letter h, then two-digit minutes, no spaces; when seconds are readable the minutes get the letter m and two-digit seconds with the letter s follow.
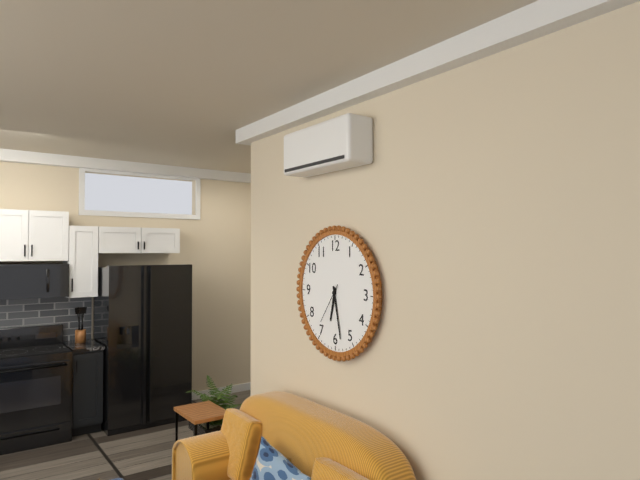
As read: 6h28
